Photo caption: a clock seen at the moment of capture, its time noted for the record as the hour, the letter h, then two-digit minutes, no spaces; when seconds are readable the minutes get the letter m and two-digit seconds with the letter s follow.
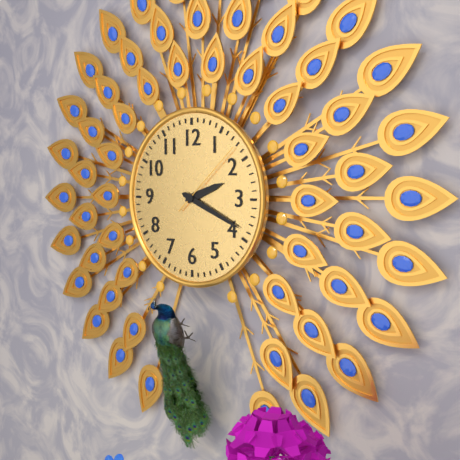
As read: 2h19m08s
